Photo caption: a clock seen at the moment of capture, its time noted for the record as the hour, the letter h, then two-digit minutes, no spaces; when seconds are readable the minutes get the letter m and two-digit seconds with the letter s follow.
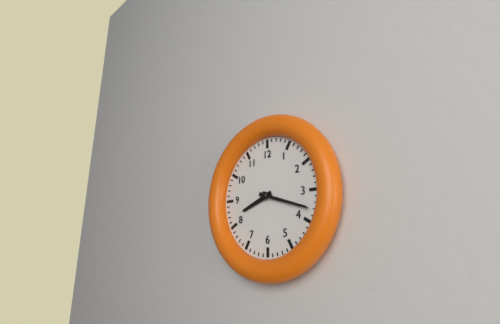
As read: 8h18
